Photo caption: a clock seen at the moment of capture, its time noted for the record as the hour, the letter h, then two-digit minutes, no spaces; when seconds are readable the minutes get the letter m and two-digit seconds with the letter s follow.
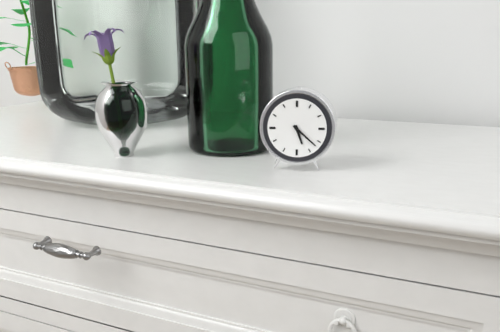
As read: 5h22
